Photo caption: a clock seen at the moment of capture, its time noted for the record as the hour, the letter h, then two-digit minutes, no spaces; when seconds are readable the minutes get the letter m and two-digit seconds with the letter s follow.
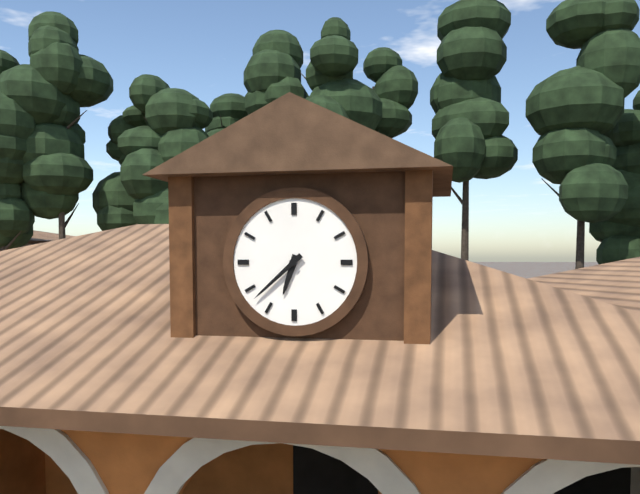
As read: 6h38
